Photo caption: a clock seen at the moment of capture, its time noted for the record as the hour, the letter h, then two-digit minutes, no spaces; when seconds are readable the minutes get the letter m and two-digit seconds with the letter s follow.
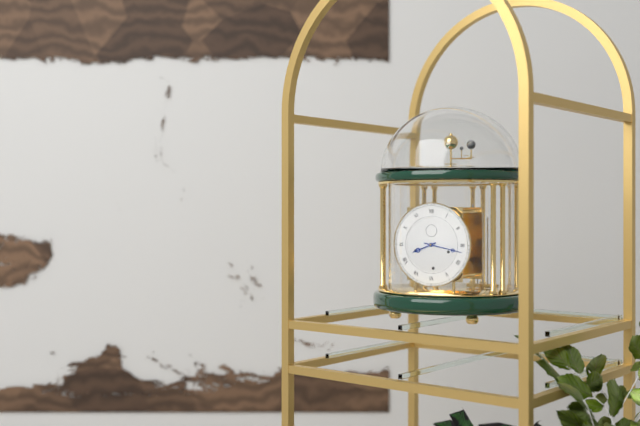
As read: 8h17
